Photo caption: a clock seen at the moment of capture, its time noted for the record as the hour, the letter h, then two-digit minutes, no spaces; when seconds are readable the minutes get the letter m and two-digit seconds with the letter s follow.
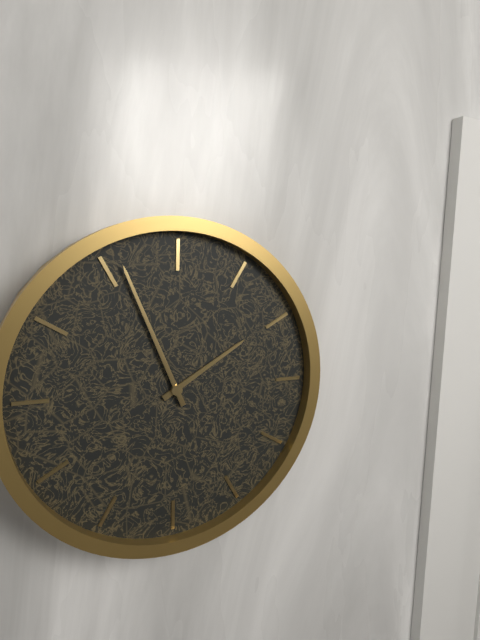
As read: 1h56
